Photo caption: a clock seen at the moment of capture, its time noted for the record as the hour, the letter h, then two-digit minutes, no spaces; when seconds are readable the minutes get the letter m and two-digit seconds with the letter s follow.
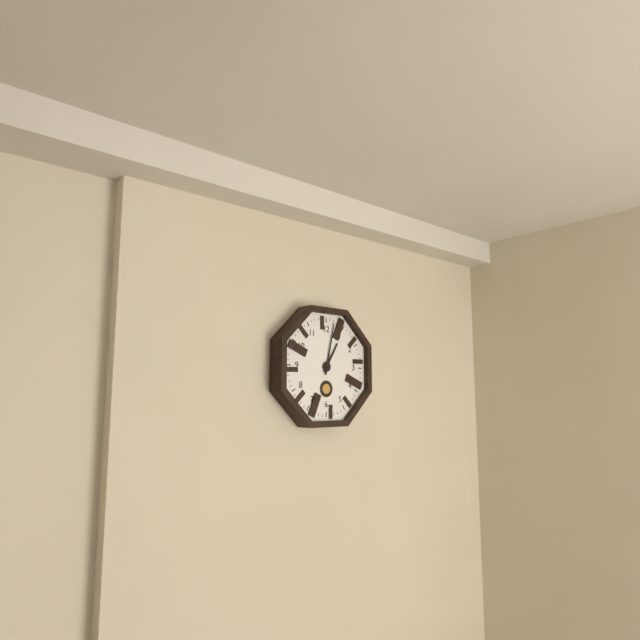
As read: 1h02
